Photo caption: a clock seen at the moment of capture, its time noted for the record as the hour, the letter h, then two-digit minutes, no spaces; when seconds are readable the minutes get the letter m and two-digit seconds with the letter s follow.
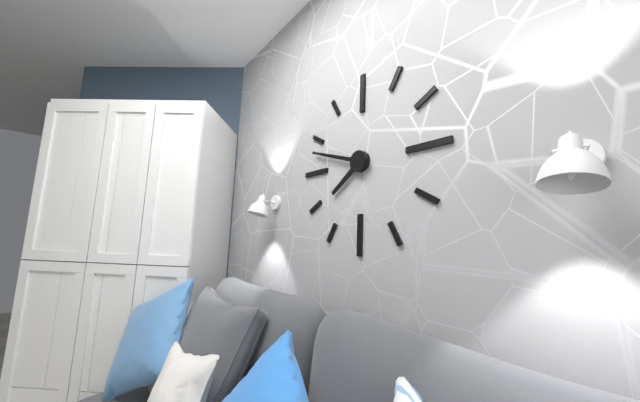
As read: 7h48
